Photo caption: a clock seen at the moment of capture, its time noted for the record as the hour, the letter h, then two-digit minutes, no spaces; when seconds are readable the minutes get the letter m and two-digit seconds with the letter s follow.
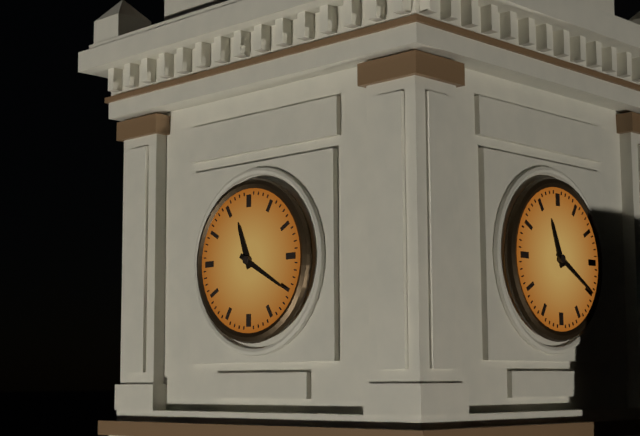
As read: 11h20
